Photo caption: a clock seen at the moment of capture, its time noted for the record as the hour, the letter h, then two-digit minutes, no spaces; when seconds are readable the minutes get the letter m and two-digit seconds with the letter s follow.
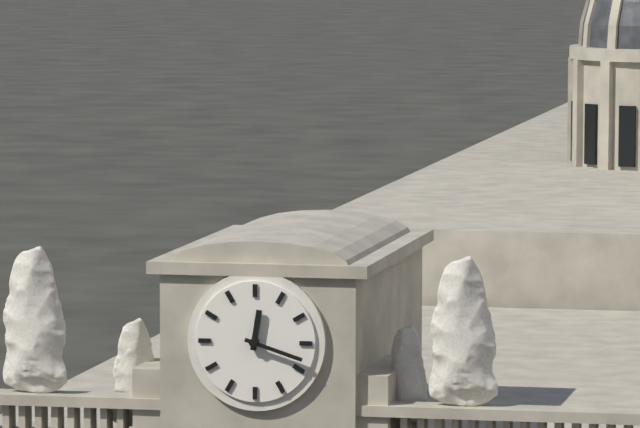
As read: 12h18
